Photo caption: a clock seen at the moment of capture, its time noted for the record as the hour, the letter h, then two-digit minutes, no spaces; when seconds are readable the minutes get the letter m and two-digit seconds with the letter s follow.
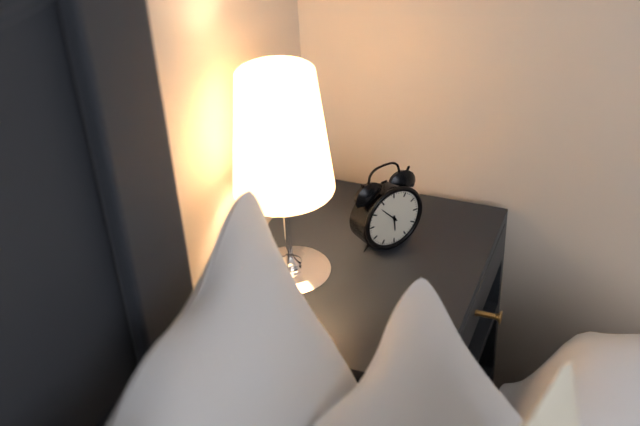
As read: 5h53
